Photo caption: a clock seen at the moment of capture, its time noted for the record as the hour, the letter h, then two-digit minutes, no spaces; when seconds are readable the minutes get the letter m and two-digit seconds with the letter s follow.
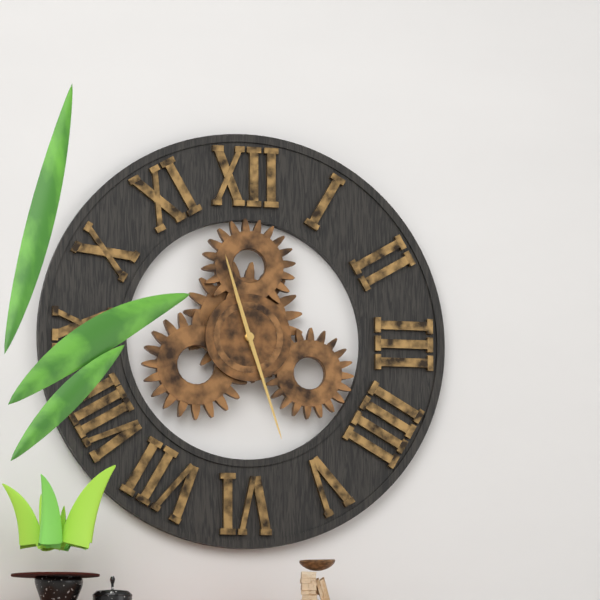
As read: 11h27
